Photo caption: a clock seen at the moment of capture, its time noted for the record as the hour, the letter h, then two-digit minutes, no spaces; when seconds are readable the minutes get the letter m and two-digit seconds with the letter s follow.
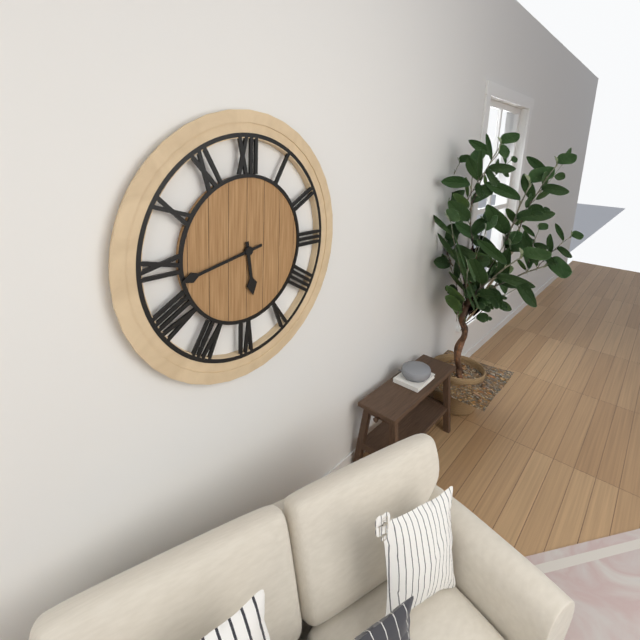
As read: 5h43
